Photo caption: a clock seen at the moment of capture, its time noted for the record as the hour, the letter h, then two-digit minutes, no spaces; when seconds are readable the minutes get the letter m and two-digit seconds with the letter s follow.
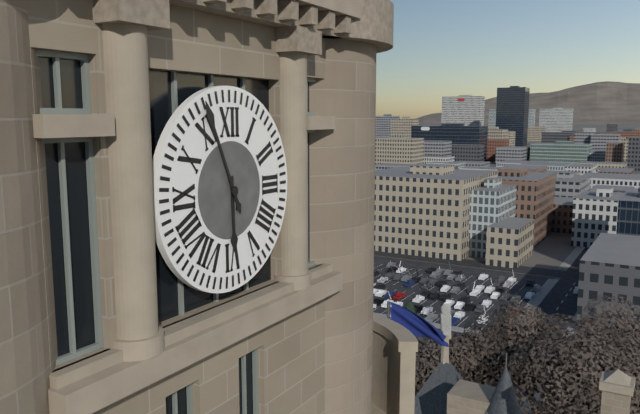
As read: 5h56
